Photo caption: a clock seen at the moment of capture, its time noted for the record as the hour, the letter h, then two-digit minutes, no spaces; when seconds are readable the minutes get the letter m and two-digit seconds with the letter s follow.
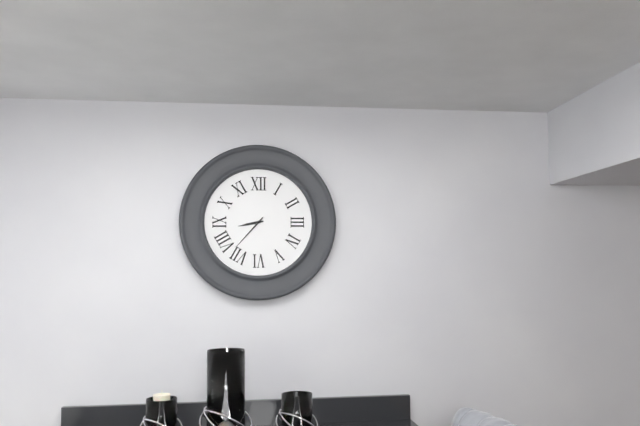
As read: 8h37
